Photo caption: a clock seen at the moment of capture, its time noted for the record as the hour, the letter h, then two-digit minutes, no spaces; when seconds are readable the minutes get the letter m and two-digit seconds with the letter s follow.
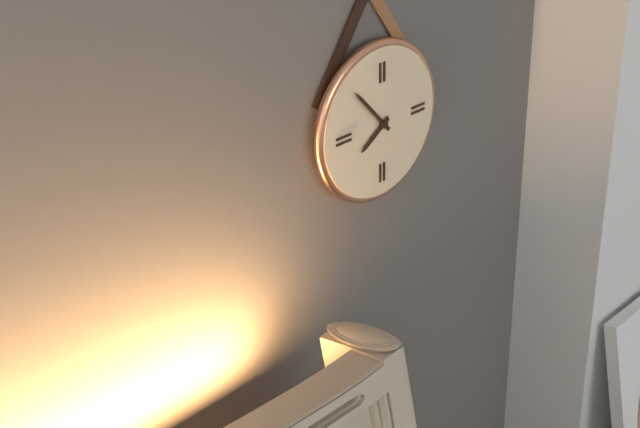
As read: 7h53
